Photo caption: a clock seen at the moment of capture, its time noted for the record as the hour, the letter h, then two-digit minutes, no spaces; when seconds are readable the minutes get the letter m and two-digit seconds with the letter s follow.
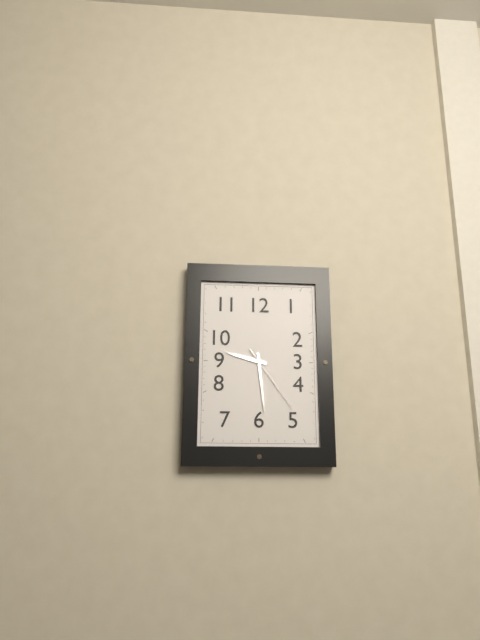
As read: 9h29m24s
